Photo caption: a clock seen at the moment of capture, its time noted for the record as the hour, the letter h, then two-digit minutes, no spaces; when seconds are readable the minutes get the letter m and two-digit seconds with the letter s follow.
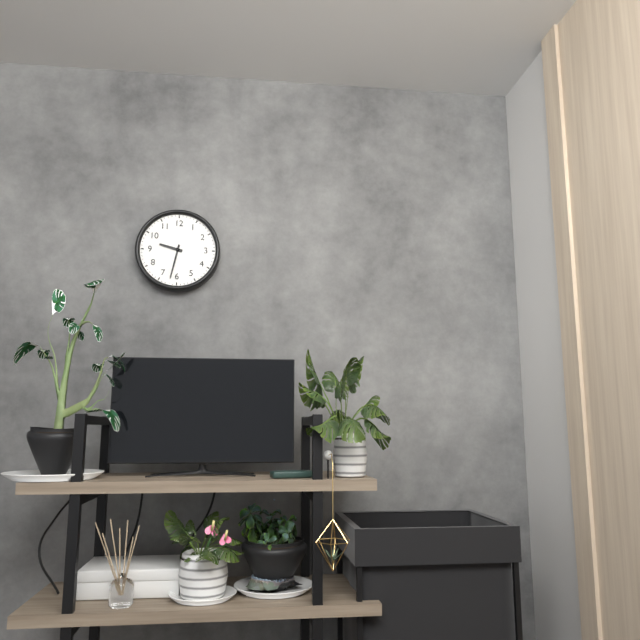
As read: 9h32
